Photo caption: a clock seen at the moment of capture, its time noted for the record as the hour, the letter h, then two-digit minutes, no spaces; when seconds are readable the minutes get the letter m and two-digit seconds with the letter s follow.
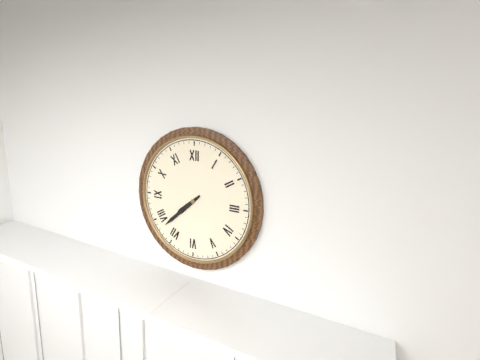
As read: 7h38
